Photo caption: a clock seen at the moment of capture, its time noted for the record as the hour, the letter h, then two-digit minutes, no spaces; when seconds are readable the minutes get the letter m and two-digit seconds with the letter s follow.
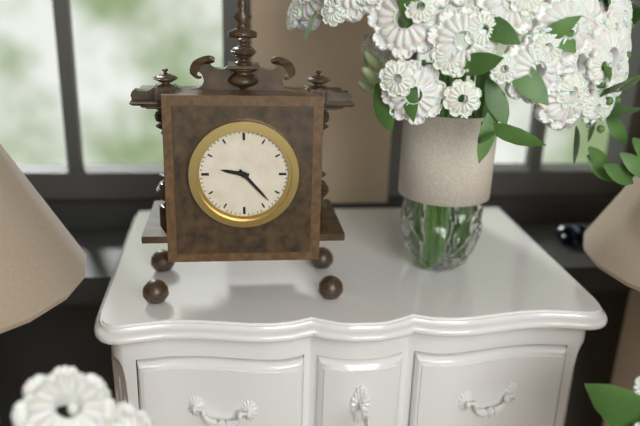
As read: 9h23
